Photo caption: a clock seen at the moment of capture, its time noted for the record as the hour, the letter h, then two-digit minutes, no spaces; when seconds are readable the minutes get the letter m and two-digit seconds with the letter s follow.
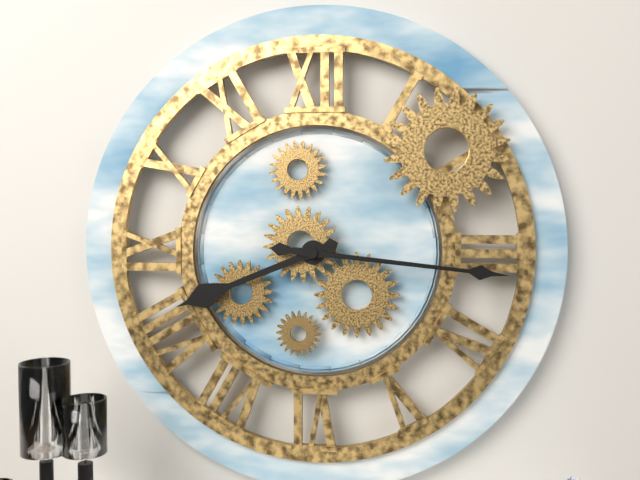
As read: 8h16
